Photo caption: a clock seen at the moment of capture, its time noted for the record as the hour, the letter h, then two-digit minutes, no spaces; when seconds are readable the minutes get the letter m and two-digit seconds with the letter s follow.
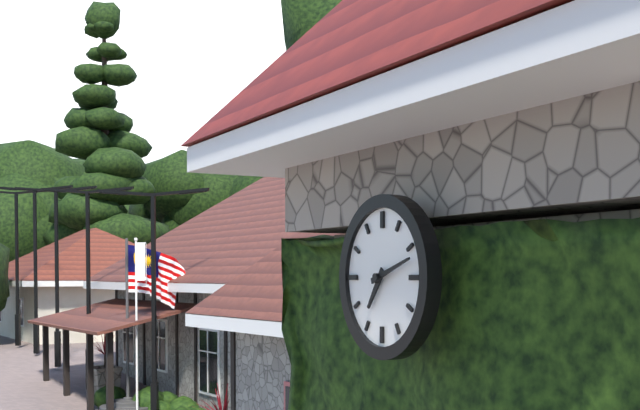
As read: 7h12
